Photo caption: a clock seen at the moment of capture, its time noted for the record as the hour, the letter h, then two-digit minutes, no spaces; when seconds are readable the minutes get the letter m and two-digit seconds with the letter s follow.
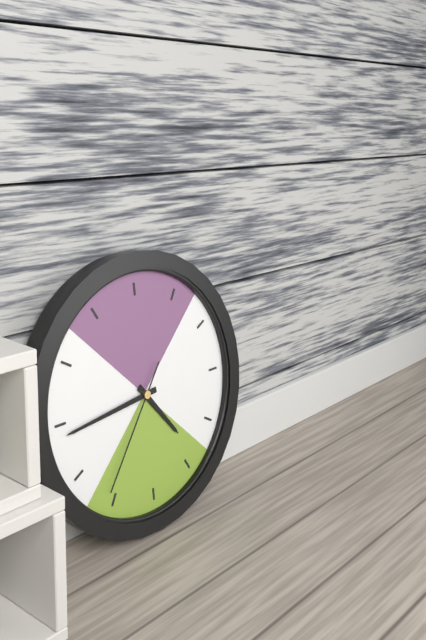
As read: 4h44m36s
